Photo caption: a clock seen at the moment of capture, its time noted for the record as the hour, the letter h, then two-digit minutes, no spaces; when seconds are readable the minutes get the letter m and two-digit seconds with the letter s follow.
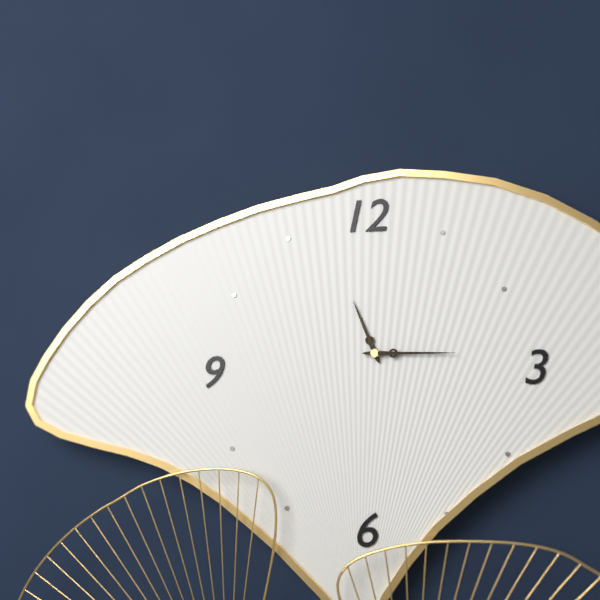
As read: 11h15
